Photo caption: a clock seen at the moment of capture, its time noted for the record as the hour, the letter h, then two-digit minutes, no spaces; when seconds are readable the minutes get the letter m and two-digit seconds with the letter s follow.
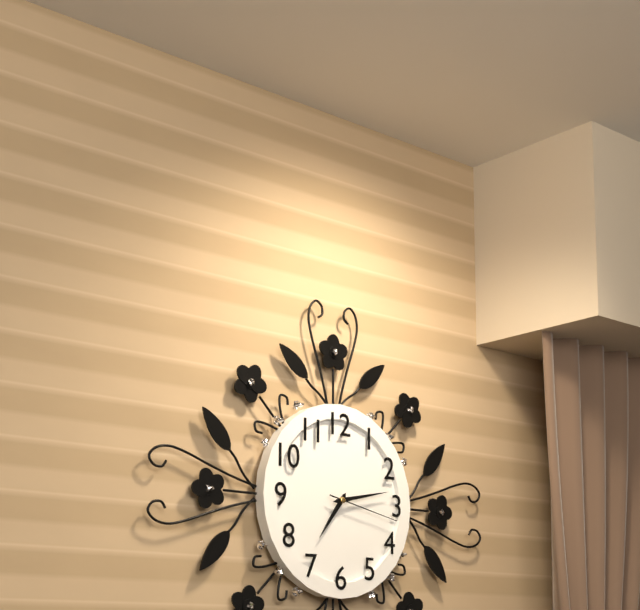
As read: 7h13m17s
